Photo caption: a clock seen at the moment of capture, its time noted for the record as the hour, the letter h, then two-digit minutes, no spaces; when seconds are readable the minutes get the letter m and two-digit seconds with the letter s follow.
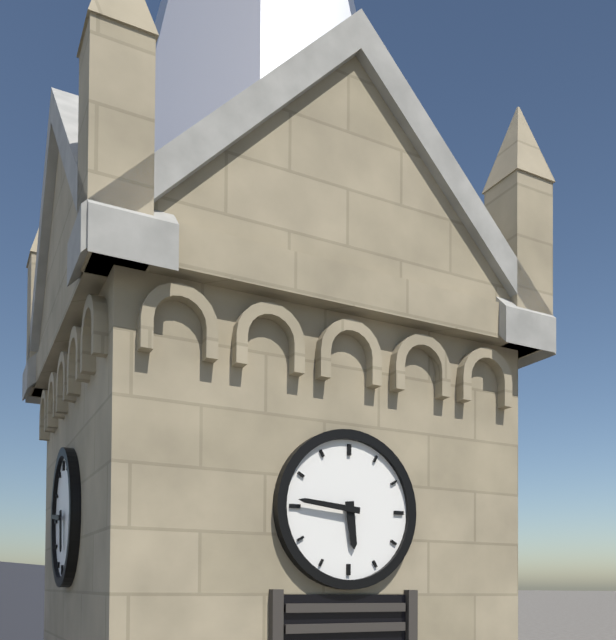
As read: 5h46
